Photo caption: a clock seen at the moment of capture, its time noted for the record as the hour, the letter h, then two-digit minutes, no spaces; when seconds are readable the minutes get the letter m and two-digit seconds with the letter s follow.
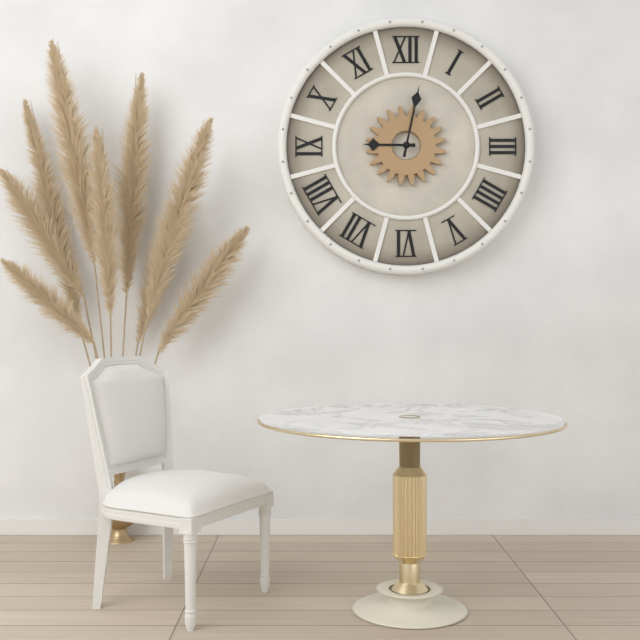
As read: 9h02
